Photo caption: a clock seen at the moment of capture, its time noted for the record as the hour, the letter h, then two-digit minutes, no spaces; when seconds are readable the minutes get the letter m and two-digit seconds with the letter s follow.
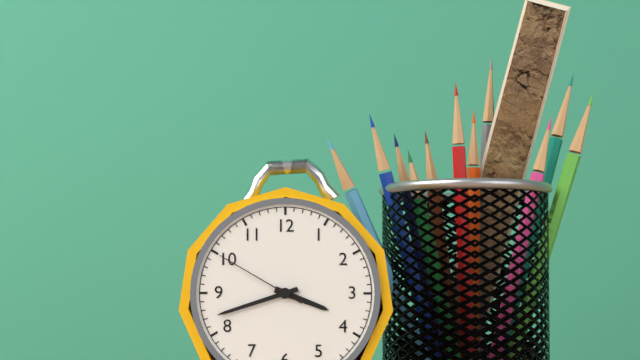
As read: 3h42m50s
